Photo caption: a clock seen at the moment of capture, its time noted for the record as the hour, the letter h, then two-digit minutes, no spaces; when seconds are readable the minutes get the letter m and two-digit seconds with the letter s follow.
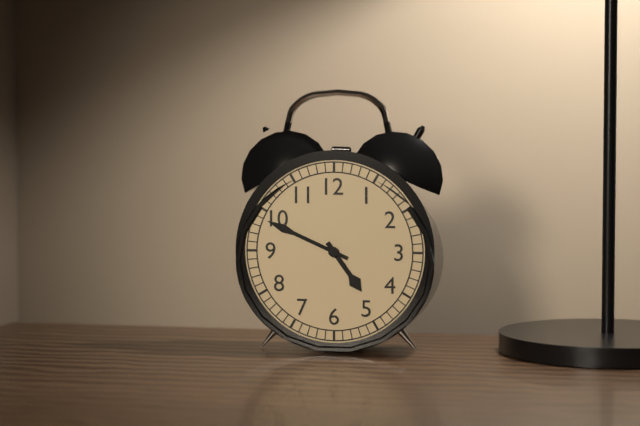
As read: 4h49
